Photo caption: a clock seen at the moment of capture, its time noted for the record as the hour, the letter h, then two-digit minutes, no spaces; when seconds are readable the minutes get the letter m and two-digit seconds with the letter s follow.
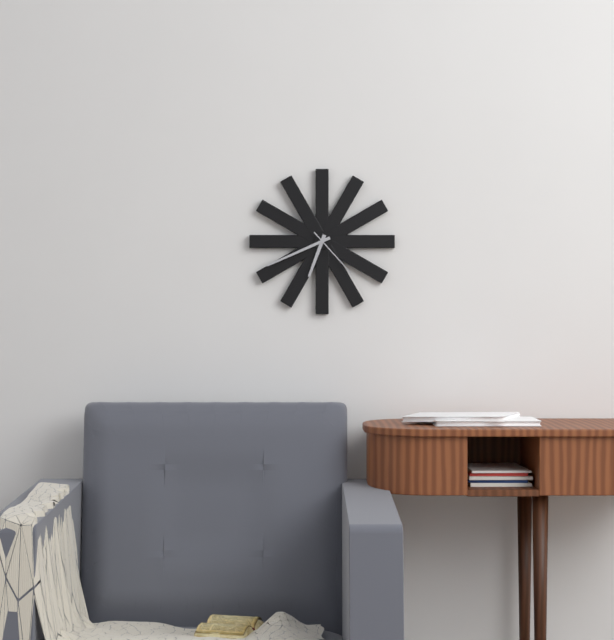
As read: 6h41m23s
